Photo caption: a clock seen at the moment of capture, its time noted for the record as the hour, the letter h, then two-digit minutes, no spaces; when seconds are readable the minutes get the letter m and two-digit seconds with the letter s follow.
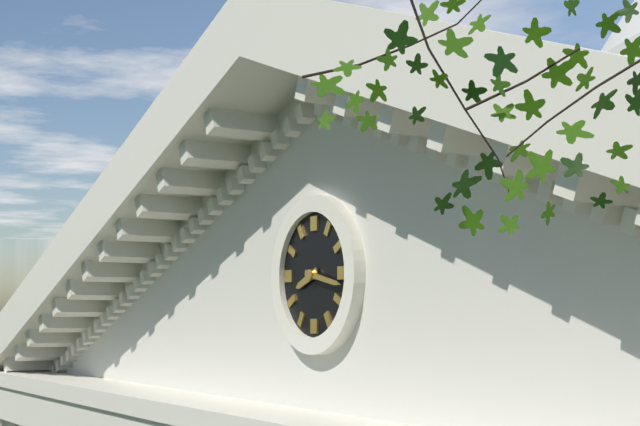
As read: 8h17
